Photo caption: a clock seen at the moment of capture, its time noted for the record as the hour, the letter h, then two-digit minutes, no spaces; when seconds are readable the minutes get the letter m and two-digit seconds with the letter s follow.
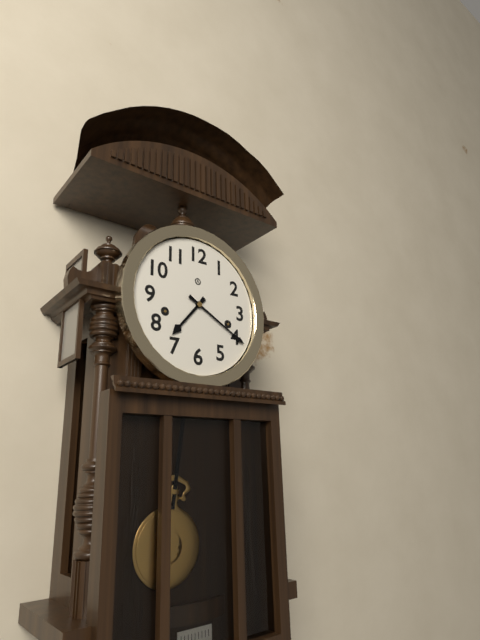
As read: 7h20
